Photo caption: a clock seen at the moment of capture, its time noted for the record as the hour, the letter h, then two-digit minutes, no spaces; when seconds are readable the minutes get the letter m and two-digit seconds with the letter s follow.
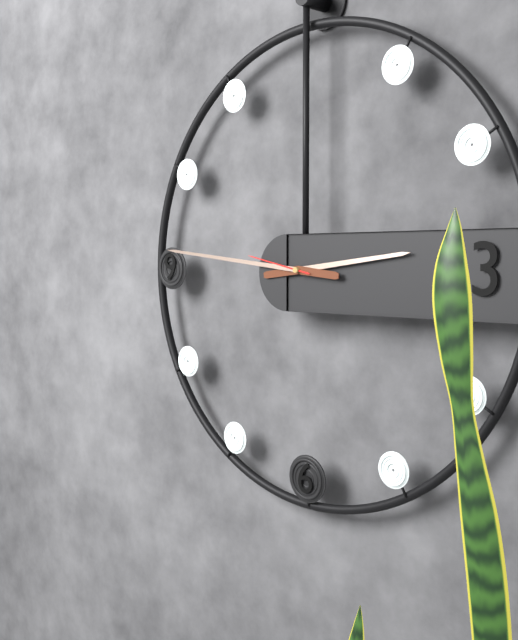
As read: 2h46m47s
